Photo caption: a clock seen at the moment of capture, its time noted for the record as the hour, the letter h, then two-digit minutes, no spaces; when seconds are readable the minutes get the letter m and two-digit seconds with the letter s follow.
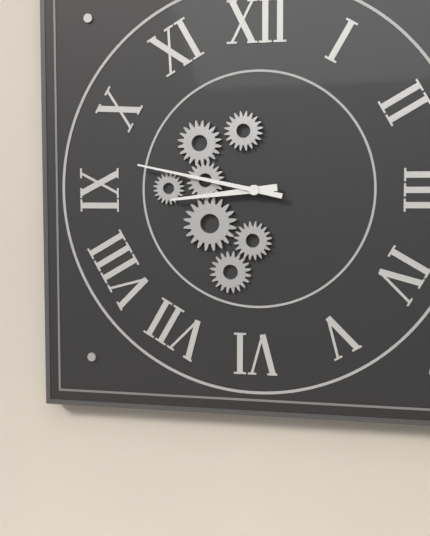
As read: 8h47
